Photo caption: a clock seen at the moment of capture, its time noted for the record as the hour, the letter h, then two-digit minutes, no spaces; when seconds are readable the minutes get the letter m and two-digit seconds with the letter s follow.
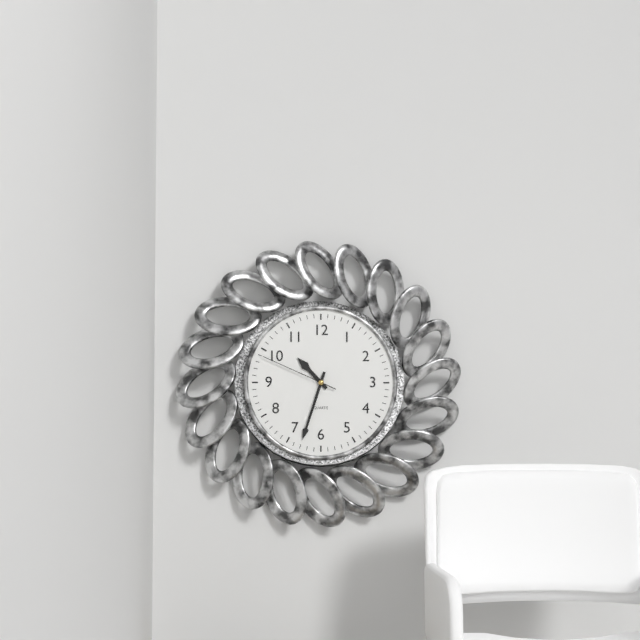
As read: 10h33m49s
